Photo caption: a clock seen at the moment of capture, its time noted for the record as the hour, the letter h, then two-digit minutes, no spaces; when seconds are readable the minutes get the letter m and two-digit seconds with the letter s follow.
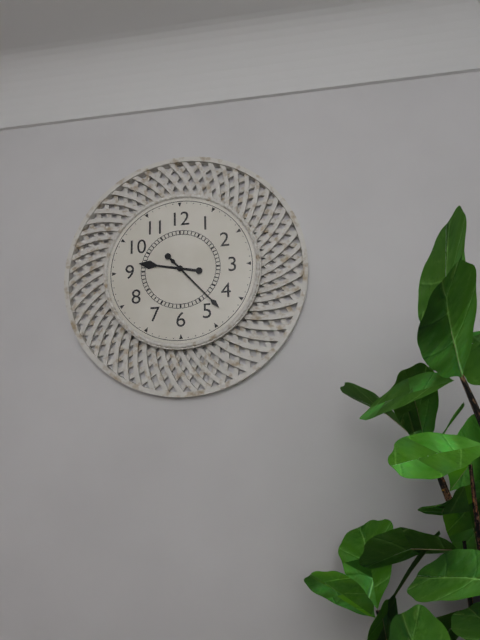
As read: 9h23
